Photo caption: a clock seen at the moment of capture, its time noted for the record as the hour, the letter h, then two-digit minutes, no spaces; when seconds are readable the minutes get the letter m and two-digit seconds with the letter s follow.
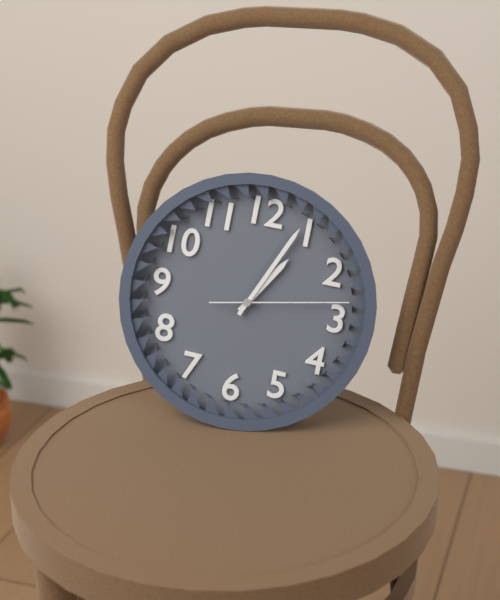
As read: 1h04m13s
